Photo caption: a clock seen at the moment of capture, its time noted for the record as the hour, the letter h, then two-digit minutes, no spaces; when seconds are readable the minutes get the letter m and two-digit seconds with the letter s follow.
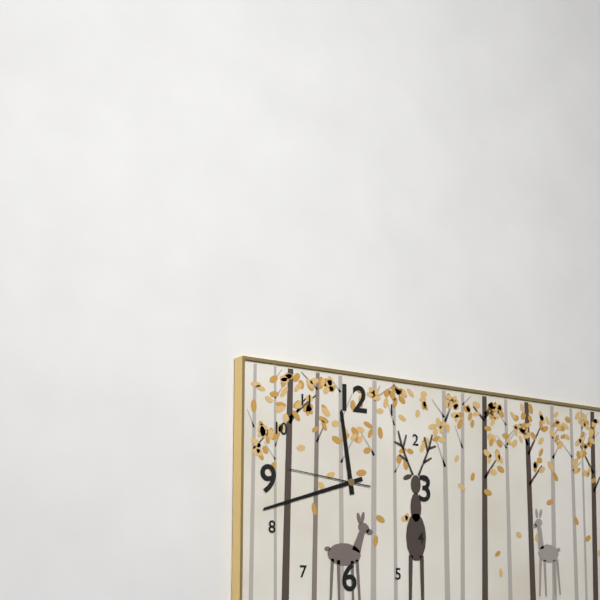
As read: 11h42m46s
